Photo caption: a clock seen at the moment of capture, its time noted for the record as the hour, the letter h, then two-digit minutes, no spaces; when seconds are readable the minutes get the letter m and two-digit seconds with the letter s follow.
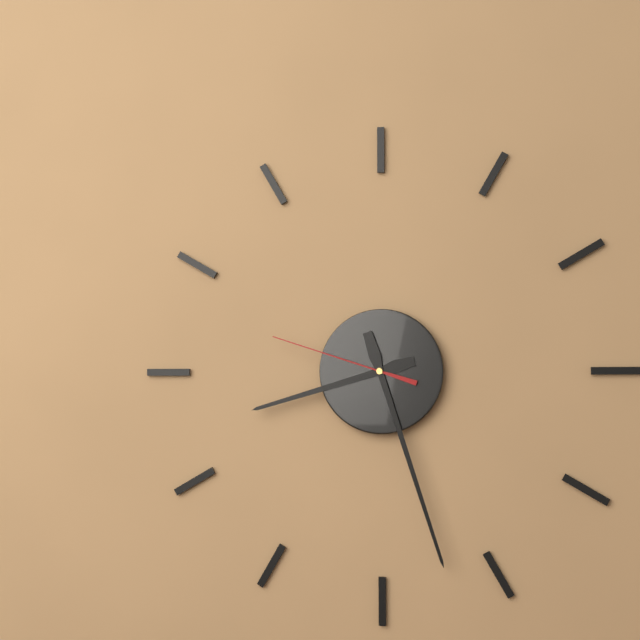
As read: 8h27m48s
